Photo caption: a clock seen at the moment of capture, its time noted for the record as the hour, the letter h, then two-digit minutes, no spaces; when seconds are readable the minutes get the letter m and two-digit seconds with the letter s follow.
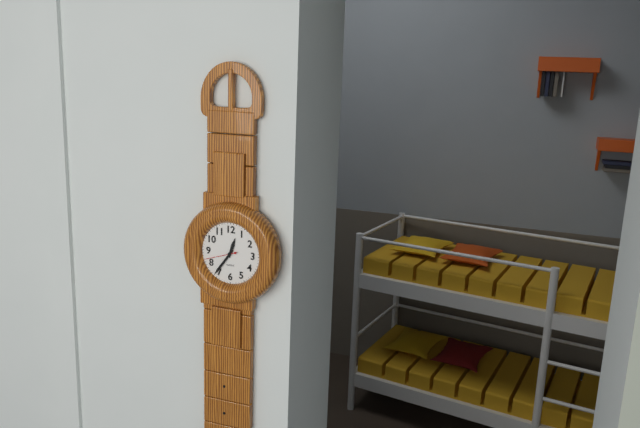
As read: 12h36
